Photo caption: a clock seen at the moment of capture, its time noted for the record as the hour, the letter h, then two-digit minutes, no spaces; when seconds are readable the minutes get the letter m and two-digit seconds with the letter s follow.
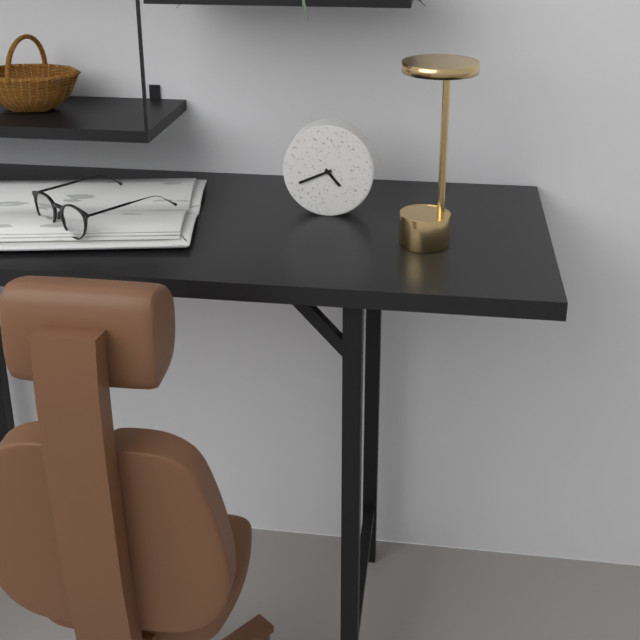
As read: 4h41
